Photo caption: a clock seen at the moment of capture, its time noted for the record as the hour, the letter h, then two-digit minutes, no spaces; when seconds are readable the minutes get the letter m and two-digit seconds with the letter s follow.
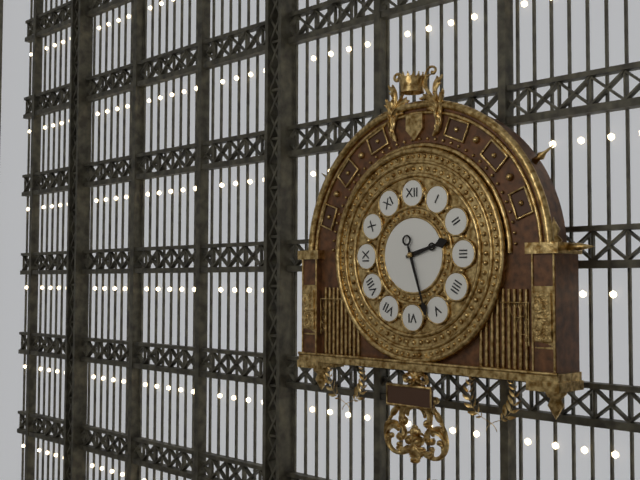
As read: 2h27
